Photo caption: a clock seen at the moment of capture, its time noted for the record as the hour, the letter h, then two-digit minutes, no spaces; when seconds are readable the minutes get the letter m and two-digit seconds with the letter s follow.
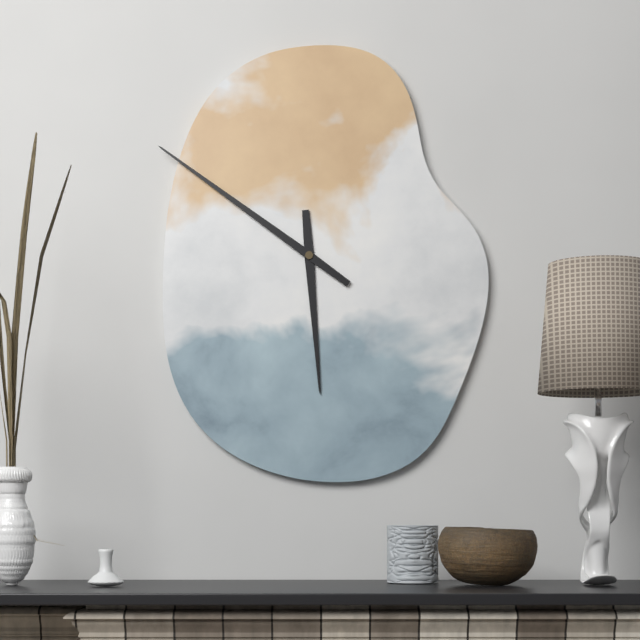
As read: 5h51
